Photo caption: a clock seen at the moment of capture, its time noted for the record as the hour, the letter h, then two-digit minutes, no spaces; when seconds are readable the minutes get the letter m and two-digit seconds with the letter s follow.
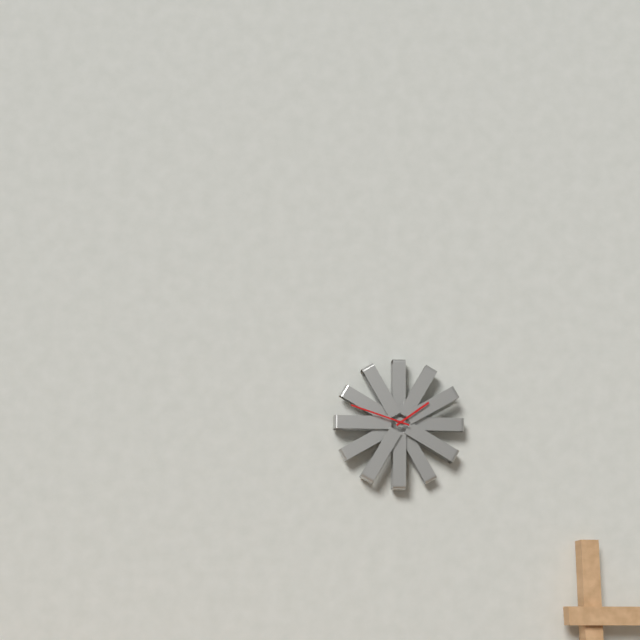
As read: 1h48
